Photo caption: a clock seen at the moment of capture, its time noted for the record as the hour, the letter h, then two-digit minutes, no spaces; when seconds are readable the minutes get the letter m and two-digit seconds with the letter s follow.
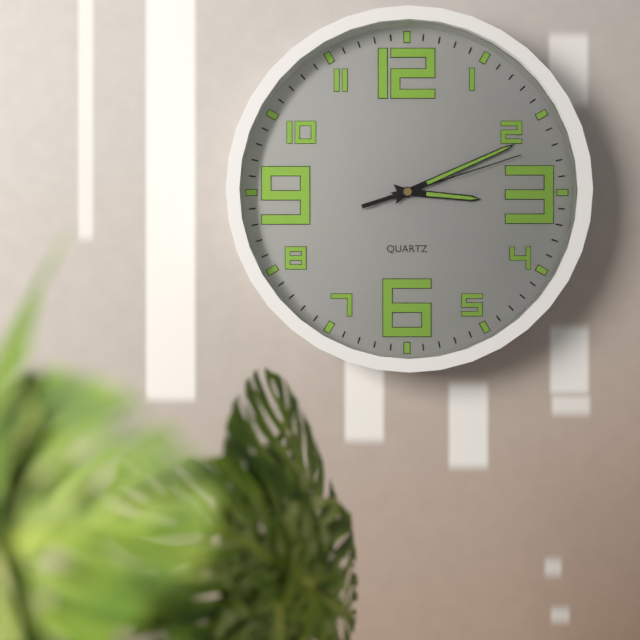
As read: 3h11m12s
